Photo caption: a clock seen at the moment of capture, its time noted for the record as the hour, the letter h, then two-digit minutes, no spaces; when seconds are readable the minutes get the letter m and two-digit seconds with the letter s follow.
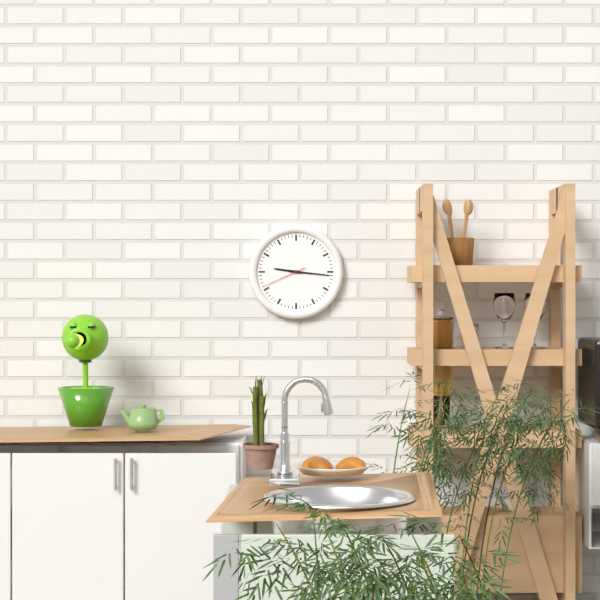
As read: 9h16
